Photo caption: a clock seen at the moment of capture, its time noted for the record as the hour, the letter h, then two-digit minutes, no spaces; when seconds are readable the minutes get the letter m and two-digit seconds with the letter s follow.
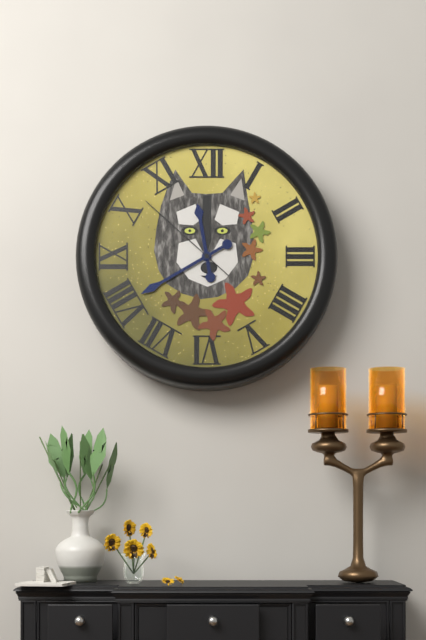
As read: 11h40m52s
